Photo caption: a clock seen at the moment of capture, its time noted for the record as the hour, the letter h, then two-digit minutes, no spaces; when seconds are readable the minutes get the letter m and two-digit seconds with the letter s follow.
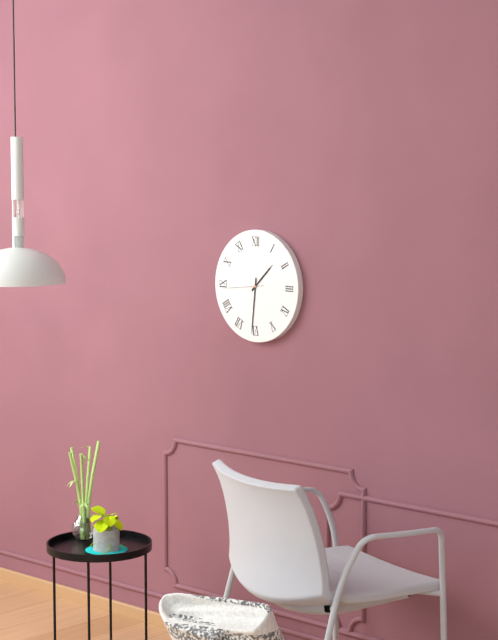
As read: 1h31
